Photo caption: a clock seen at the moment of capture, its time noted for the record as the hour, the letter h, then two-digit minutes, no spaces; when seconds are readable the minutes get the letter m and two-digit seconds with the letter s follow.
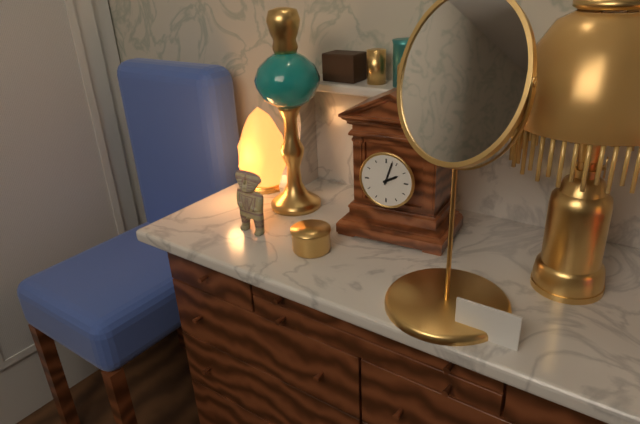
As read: 2h03
